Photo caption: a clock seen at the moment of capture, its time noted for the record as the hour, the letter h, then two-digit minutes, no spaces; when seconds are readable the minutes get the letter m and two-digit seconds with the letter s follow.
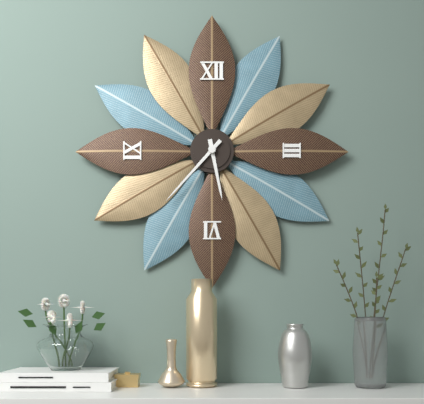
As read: 5h37
